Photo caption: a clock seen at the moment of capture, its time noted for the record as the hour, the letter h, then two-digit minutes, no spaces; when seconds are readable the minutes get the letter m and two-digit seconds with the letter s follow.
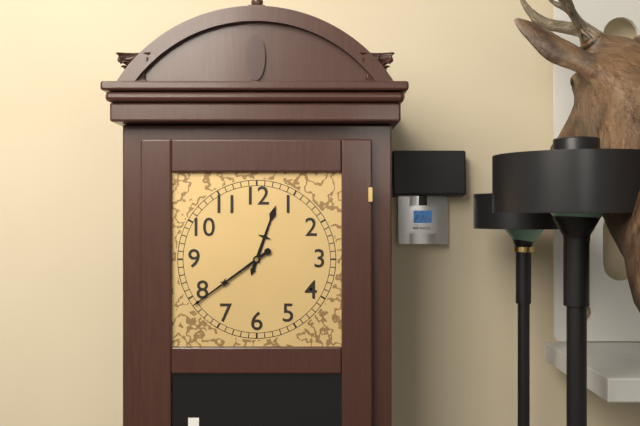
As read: 12h39
